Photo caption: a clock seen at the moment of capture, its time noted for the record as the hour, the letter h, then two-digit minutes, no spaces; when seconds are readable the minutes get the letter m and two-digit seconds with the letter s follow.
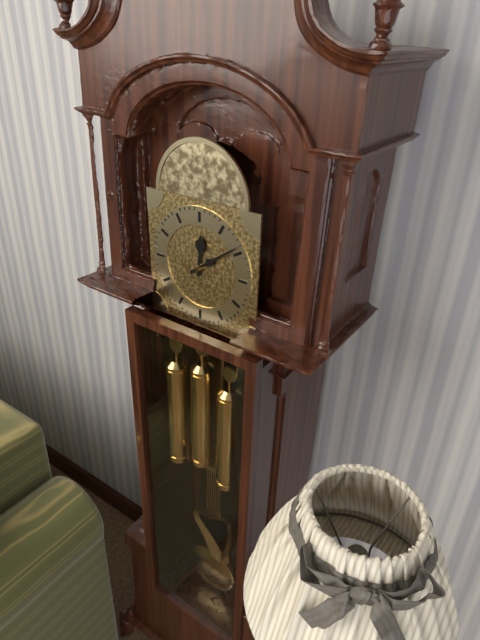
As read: 12h09
